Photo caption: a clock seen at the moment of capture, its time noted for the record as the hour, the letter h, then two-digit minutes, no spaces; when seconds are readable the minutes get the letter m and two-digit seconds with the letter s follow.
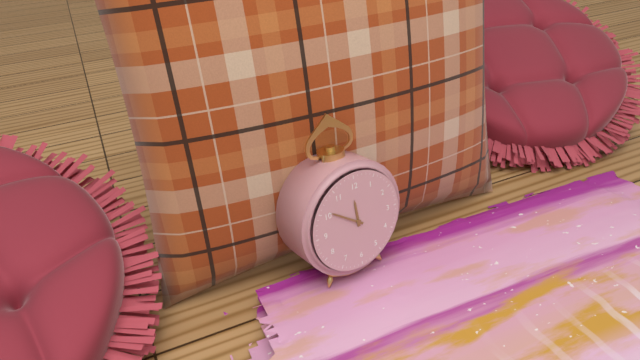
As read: 11h51
